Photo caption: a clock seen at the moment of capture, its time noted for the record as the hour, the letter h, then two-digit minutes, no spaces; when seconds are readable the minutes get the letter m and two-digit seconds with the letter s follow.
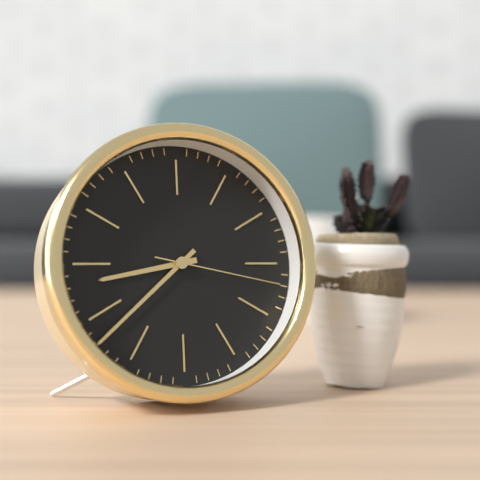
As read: 8h38m17s
